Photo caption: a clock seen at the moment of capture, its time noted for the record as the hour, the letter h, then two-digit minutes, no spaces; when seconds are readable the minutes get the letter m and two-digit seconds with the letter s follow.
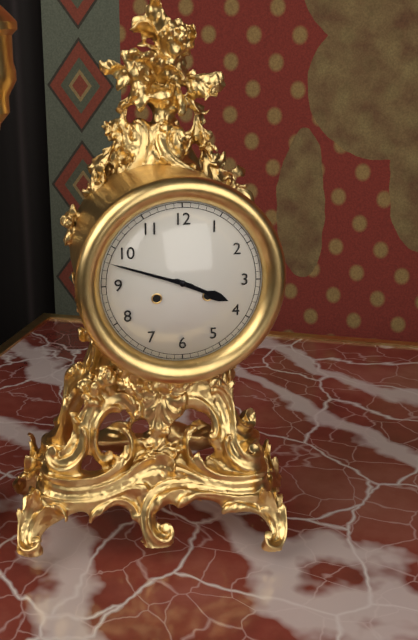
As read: 3h48
